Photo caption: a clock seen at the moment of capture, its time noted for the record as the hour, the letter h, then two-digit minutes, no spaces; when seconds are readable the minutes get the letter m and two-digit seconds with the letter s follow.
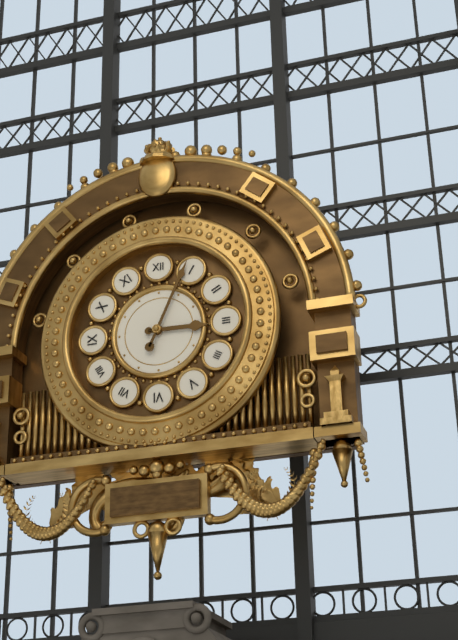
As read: 3h04
